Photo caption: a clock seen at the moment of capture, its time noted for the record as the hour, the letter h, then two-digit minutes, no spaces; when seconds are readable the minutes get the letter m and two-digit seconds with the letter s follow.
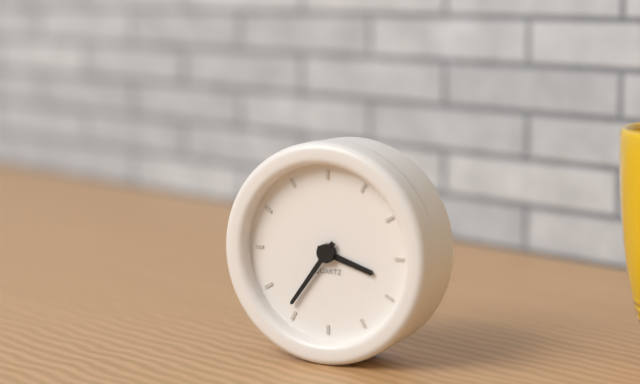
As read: 3h36
